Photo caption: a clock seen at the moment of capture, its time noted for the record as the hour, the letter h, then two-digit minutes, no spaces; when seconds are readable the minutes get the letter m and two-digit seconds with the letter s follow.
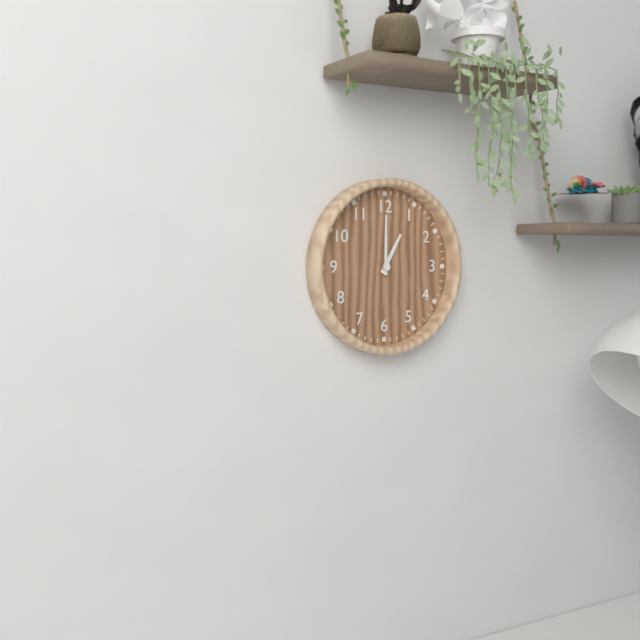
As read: 1h00
